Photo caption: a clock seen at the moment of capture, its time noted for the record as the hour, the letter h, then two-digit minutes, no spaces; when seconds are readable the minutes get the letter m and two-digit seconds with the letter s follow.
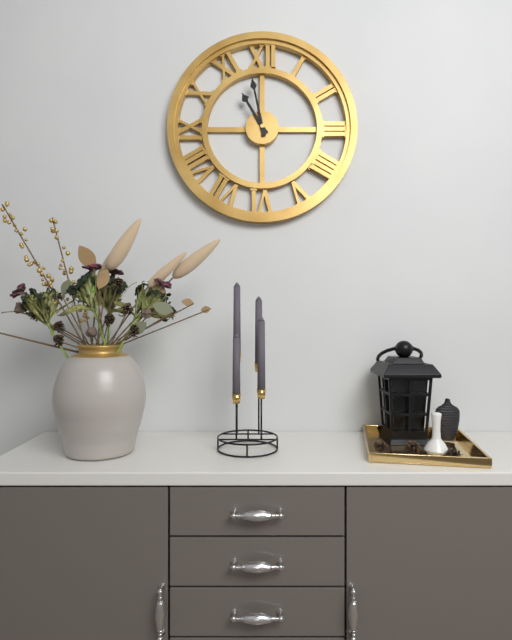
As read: 10h58
